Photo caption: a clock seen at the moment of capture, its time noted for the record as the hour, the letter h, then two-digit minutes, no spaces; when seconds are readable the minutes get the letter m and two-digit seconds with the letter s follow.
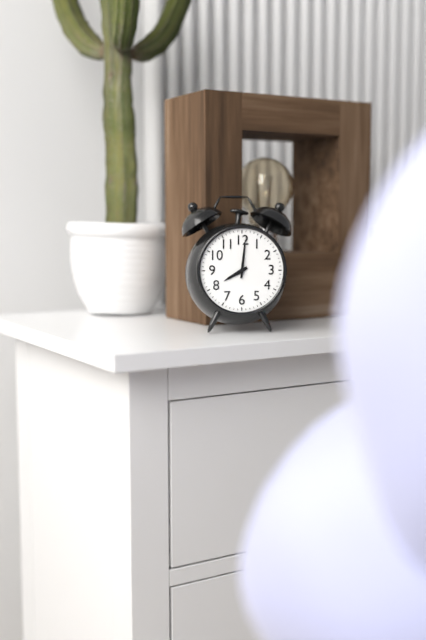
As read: 8h01
